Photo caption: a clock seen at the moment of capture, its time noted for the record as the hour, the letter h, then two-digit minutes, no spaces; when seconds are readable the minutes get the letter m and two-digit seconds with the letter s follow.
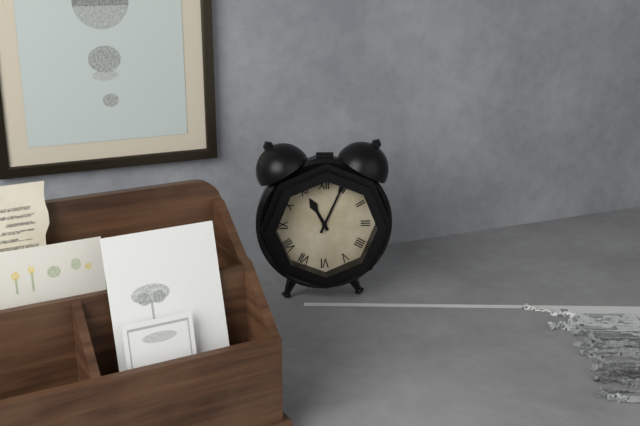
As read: 11h04
